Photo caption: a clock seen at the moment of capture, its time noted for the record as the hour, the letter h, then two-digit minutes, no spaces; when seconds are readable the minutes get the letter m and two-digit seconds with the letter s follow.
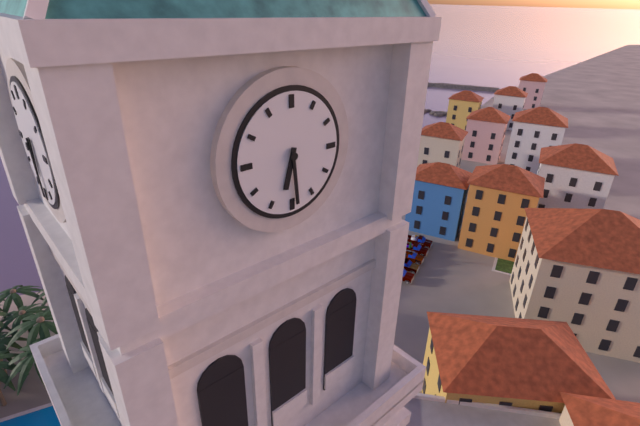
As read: 6h29
